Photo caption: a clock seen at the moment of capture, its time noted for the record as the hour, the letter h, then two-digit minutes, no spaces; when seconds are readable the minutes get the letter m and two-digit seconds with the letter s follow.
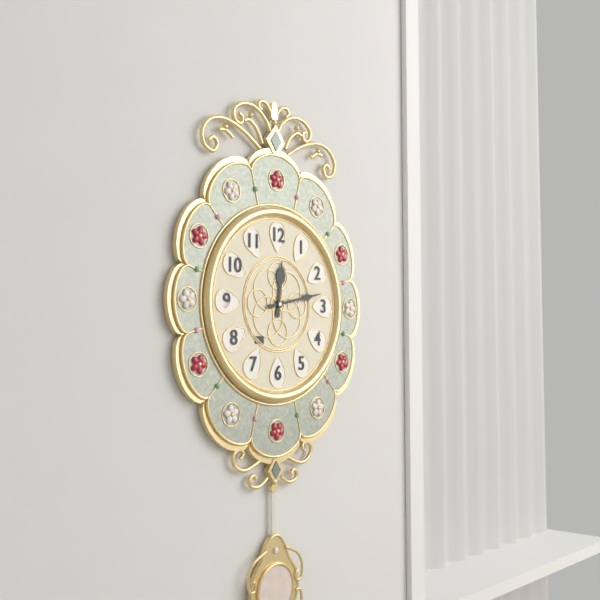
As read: 12h13
